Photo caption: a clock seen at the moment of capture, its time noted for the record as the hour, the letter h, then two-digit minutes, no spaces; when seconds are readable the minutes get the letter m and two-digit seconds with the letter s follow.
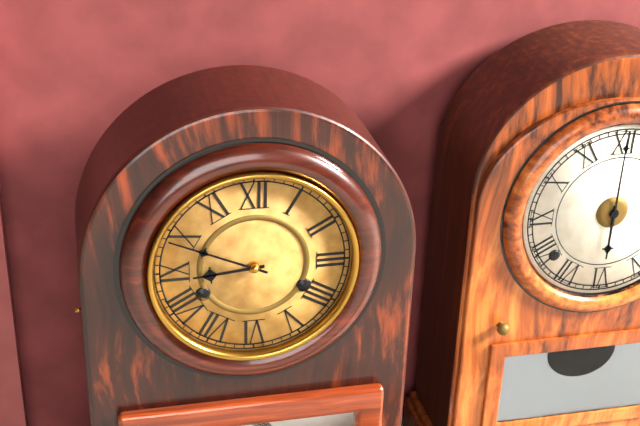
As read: 8h49
